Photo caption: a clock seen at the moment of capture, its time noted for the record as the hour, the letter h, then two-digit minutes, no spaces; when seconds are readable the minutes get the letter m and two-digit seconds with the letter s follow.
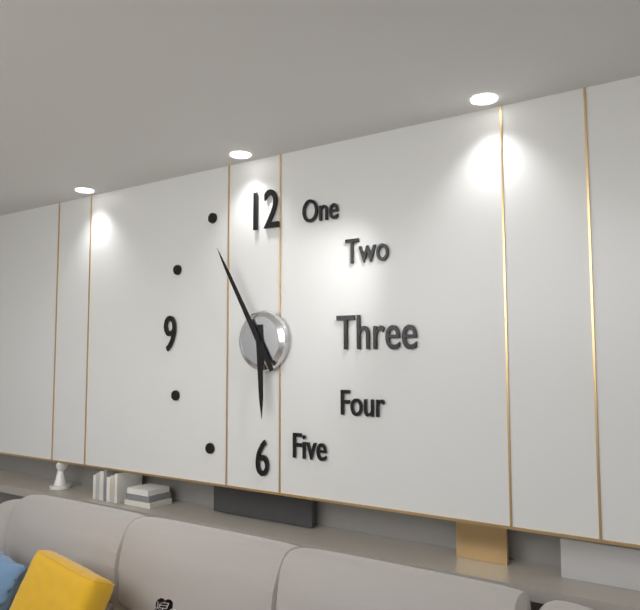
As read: 5h55
